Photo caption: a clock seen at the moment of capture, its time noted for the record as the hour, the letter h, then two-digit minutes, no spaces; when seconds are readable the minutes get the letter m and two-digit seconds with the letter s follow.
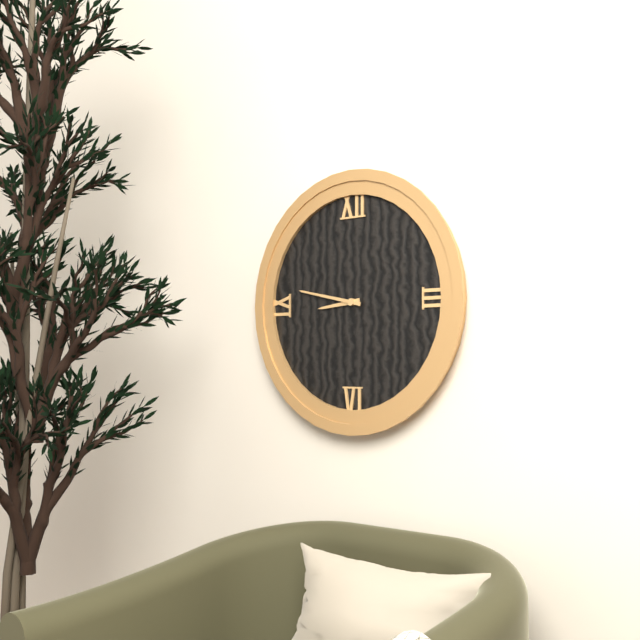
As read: 8h47
